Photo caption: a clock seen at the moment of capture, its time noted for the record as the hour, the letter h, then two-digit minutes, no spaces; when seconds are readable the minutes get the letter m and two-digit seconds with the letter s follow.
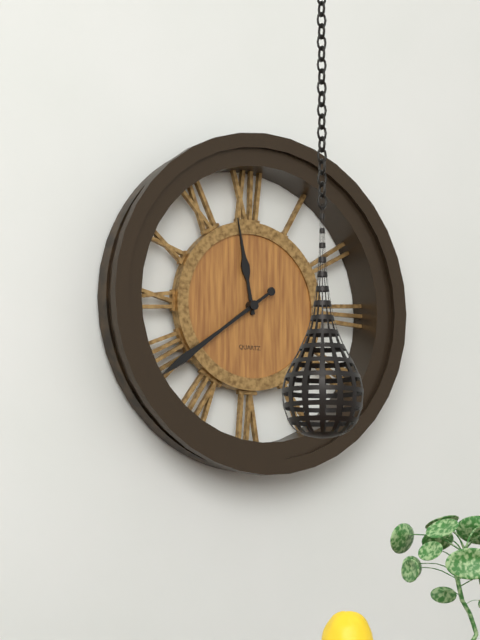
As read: 11h39
